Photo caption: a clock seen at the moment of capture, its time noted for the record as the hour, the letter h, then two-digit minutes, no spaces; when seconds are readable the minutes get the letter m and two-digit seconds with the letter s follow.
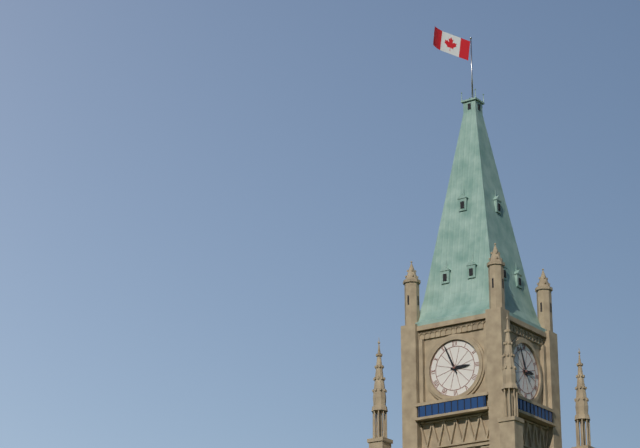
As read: 2h56
